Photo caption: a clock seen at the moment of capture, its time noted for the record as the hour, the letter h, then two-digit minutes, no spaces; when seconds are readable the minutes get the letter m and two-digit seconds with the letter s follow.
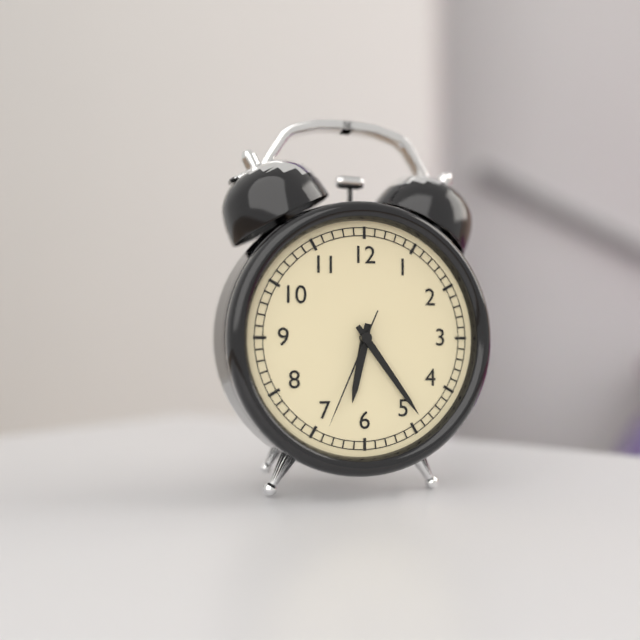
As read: 6h24m34s
